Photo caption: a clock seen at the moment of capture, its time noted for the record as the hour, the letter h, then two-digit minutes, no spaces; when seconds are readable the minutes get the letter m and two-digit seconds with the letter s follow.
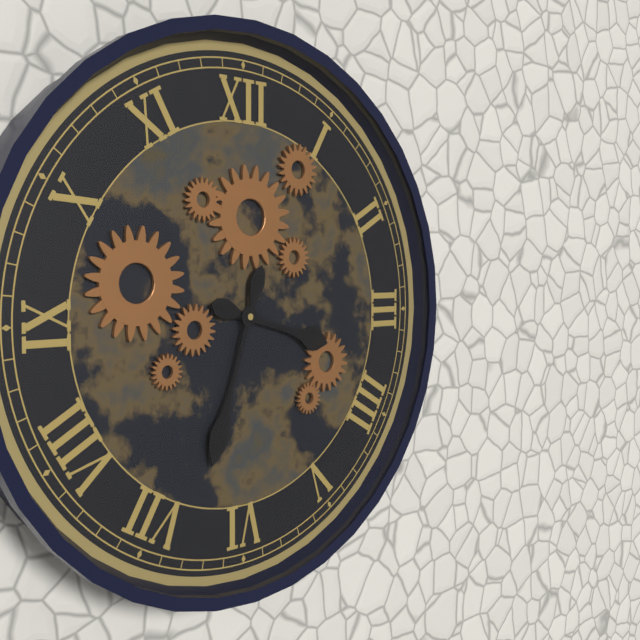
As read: 3h33
